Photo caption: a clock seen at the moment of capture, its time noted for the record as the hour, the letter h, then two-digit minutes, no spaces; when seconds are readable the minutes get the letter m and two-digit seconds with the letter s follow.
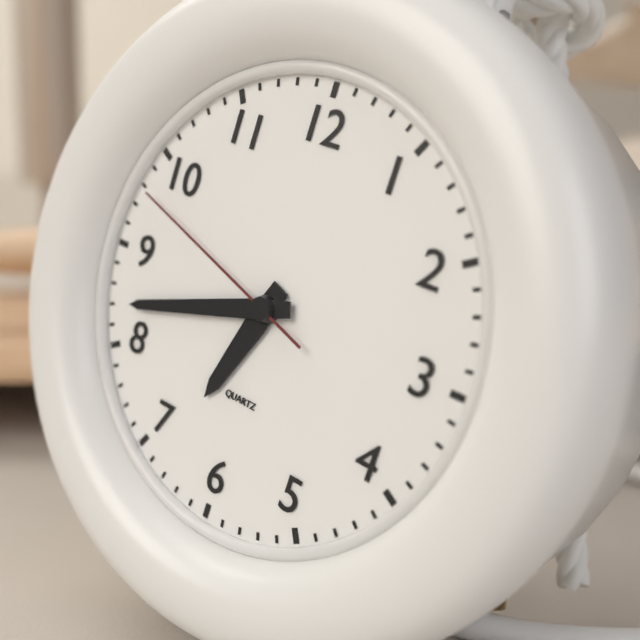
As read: 6h42m48s
